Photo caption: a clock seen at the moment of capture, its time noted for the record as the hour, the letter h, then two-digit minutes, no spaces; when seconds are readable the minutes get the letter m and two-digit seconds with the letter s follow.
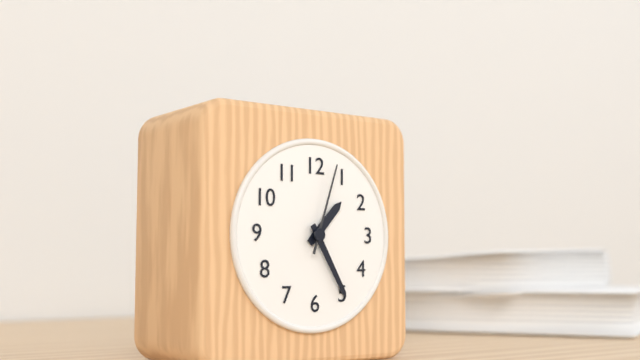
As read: 1h25m03s
